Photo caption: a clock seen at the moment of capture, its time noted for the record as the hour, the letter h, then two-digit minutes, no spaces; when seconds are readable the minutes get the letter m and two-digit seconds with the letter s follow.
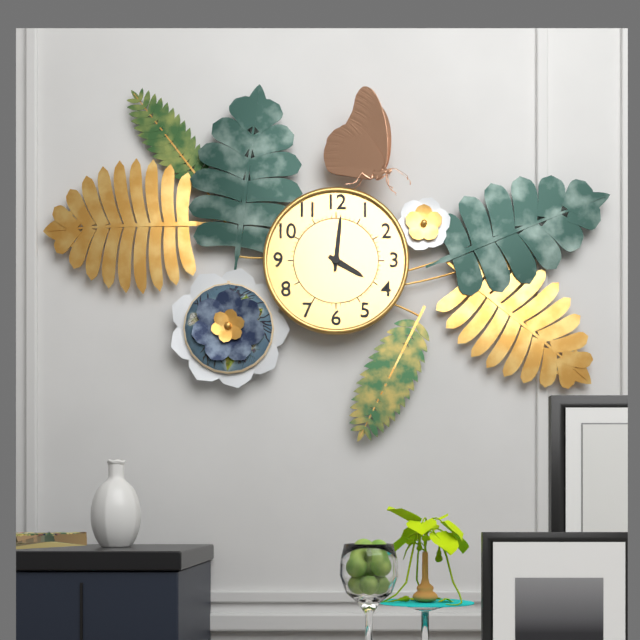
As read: 4h01
